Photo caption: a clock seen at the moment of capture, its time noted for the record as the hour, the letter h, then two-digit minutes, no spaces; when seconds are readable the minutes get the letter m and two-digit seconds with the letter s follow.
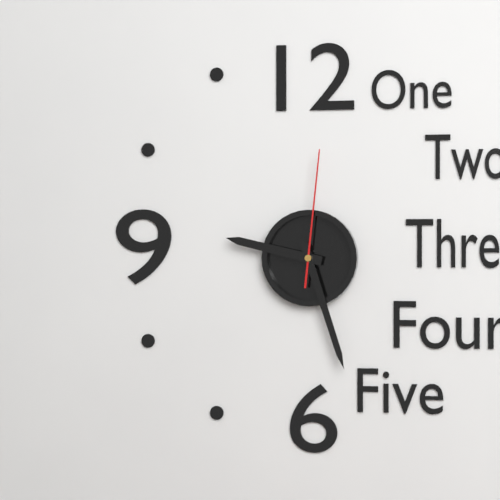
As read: 9h27m01s
